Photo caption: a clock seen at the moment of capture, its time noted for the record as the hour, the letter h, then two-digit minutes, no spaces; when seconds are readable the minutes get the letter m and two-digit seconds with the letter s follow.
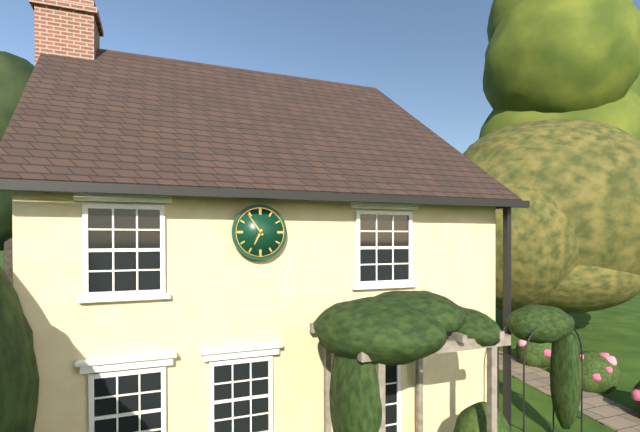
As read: 6h54
